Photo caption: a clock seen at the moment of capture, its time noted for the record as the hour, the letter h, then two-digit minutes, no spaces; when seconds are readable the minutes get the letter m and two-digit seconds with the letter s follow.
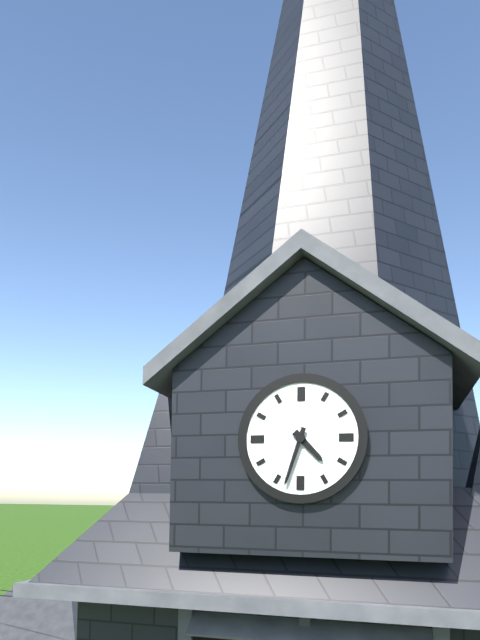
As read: 4h33
